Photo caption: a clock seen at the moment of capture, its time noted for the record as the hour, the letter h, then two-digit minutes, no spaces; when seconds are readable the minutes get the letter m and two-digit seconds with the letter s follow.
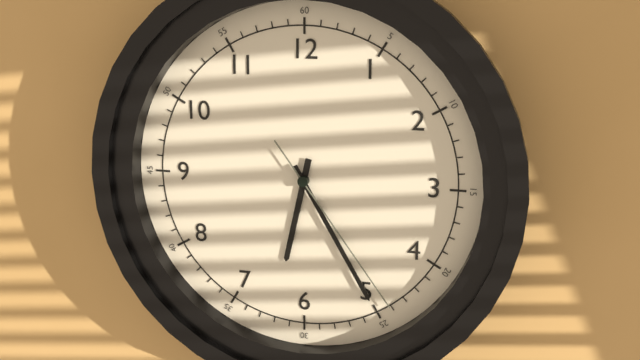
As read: 6h25m24s
